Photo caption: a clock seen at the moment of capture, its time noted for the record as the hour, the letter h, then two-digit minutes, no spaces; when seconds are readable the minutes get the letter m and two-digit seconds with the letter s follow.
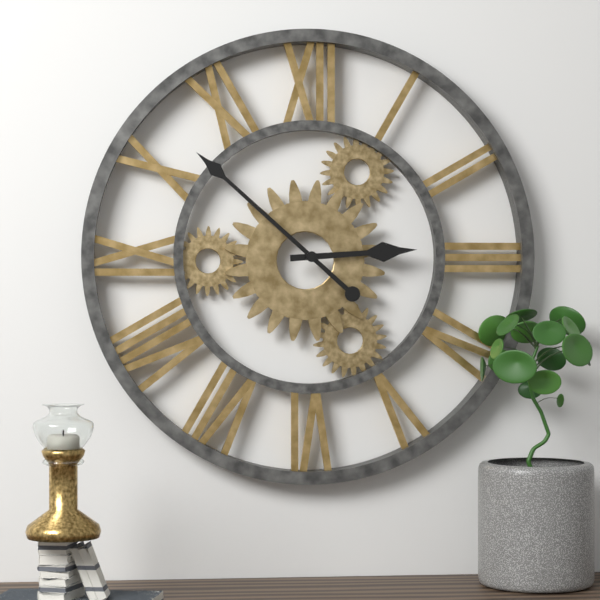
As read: 2h52
